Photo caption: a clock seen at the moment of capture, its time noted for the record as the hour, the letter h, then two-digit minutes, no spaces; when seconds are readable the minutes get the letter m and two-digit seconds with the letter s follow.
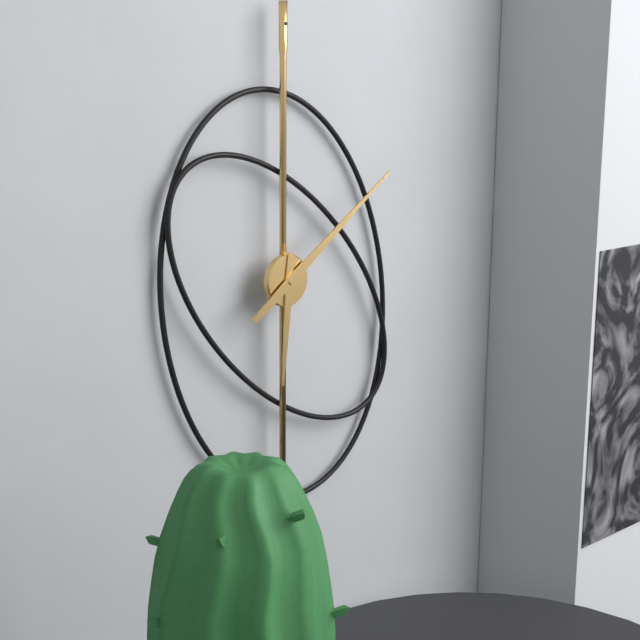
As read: 6h09
